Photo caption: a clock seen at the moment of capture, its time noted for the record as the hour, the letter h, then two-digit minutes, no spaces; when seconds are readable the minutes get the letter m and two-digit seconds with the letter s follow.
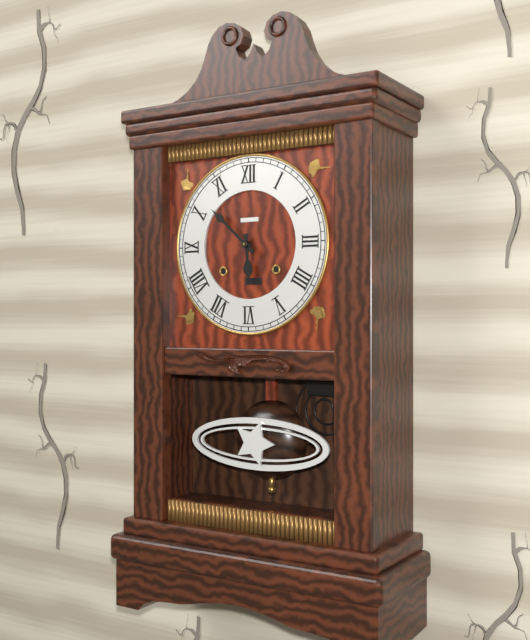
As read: 5h52
